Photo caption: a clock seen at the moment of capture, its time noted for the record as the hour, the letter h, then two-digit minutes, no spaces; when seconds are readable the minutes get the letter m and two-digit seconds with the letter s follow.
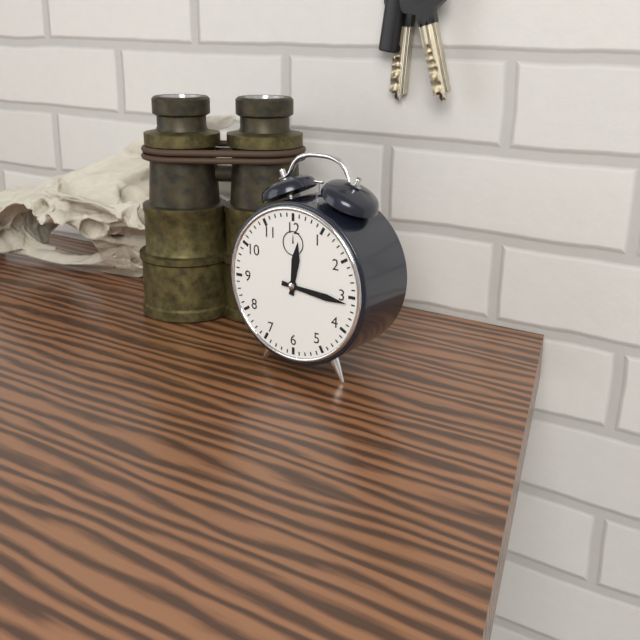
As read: 12h16
